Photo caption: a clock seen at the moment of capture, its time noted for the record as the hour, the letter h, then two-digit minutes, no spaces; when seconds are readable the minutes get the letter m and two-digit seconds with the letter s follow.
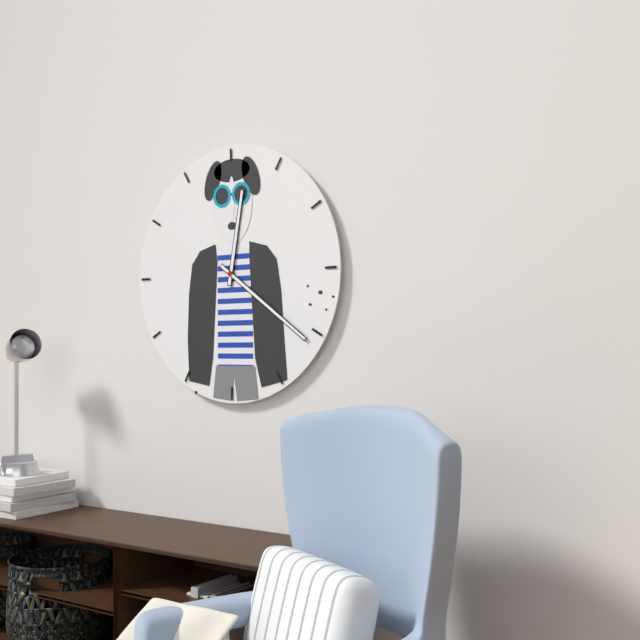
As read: 12h21
